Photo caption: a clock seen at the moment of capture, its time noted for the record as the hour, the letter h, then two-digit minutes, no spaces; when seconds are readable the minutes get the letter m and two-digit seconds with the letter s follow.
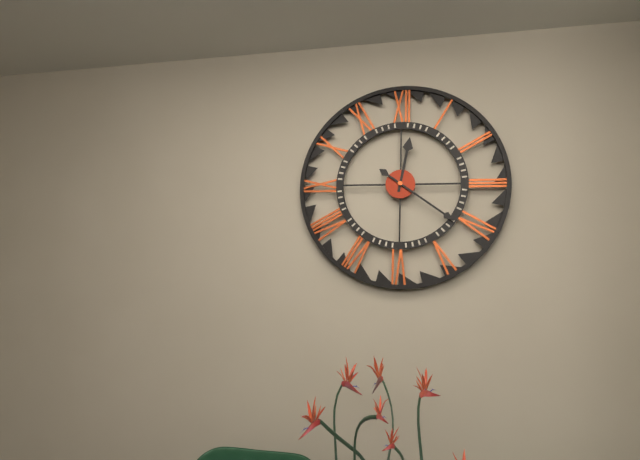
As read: 12h21
